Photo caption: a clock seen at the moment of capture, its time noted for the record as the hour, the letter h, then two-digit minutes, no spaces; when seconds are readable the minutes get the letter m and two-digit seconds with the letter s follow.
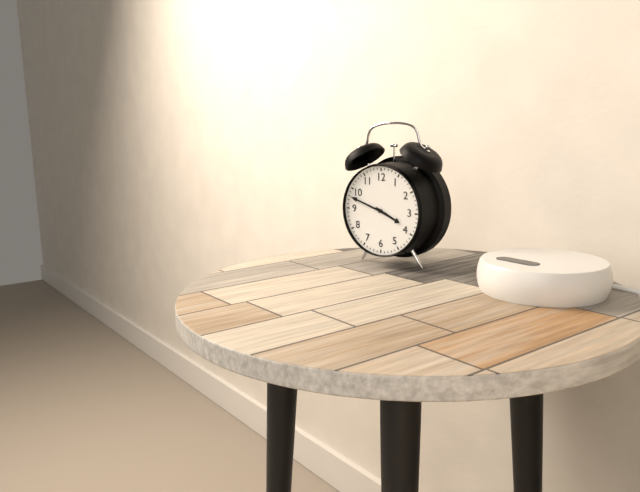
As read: 3h48
